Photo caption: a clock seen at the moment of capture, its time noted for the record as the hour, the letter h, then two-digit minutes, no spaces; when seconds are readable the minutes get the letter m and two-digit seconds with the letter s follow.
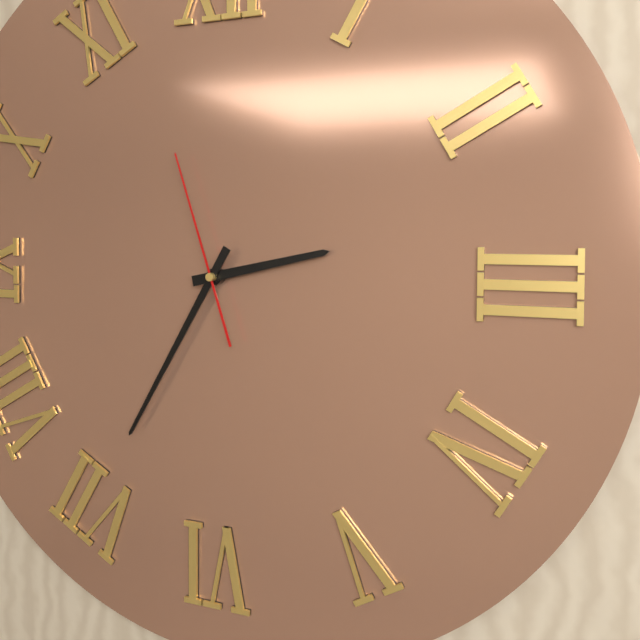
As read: 2h35m57s
